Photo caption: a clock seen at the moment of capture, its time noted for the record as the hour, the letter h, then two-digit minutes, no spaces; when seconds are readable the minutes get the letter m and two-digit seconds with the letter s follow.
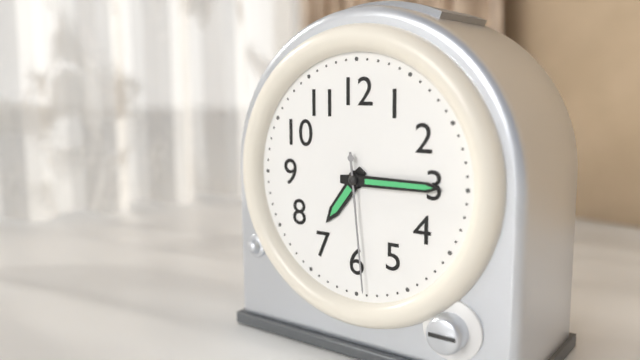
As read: 7h15m29s
